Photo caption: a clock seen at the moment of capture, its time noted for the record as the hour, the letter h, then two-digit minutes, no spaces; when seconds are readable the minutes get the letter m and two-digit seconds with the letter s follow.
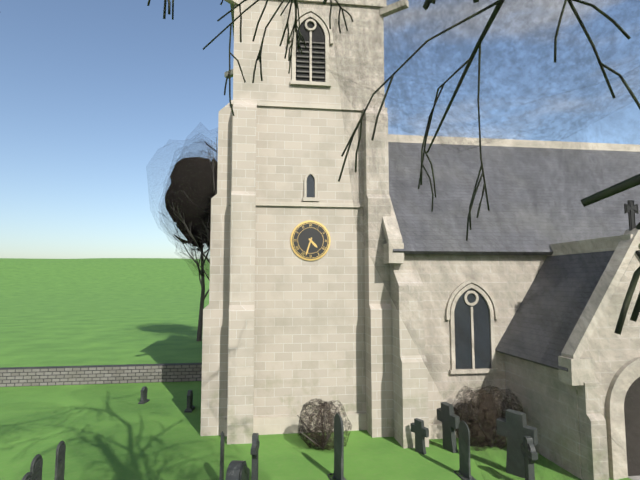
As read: 4h33
